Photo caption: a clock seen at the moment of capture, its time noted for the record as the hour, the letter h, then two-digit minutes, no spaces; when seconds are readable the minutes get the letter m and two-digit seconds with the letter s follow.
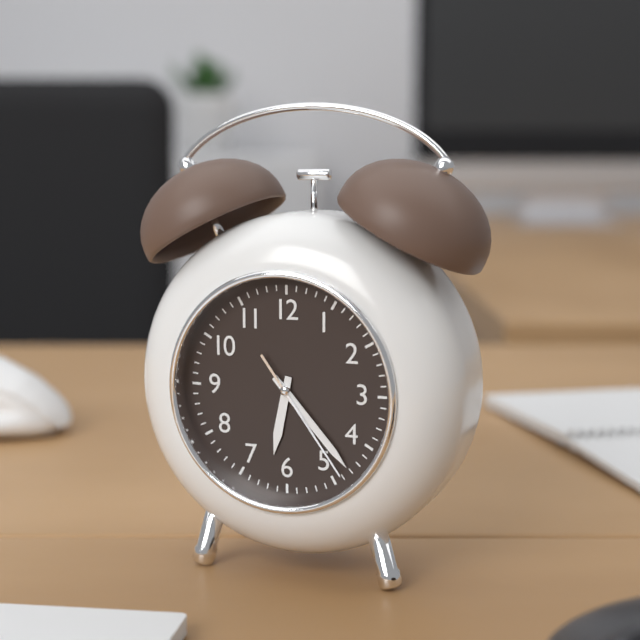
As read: 6h23m24s
